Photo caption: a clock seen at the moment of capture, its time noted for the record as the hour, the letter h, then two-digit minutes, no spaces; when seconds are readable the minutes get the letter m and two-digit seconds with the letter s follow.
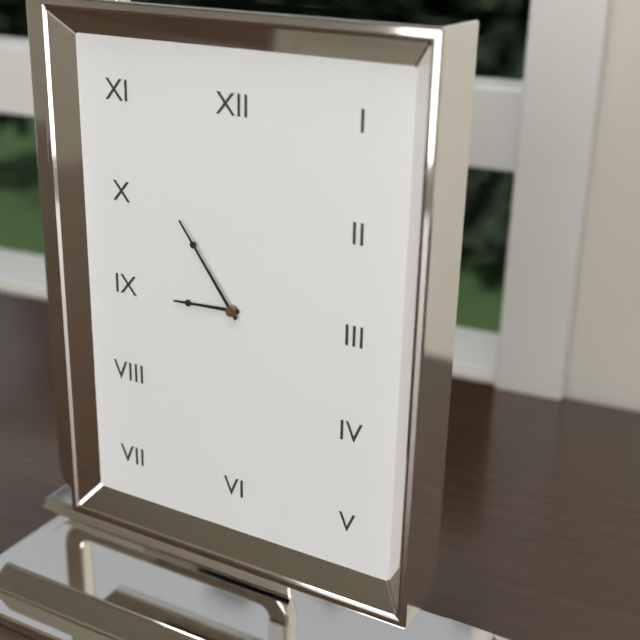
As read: 8h54
